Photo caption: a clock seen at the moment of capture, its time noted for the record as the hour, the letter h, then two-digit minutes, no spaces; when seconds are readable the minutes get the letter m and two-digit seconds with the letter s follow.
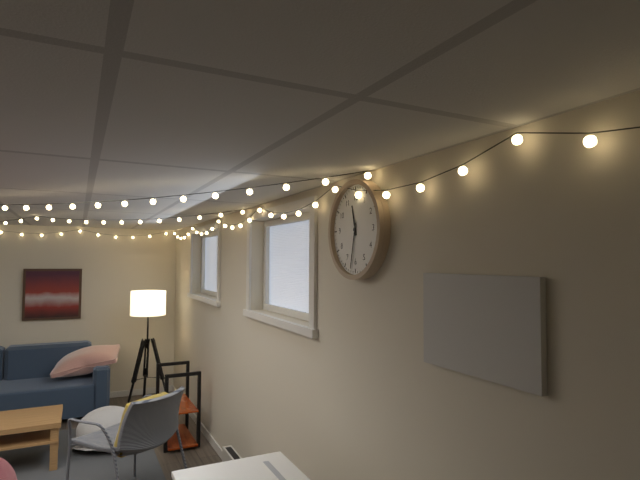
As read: 11h32
